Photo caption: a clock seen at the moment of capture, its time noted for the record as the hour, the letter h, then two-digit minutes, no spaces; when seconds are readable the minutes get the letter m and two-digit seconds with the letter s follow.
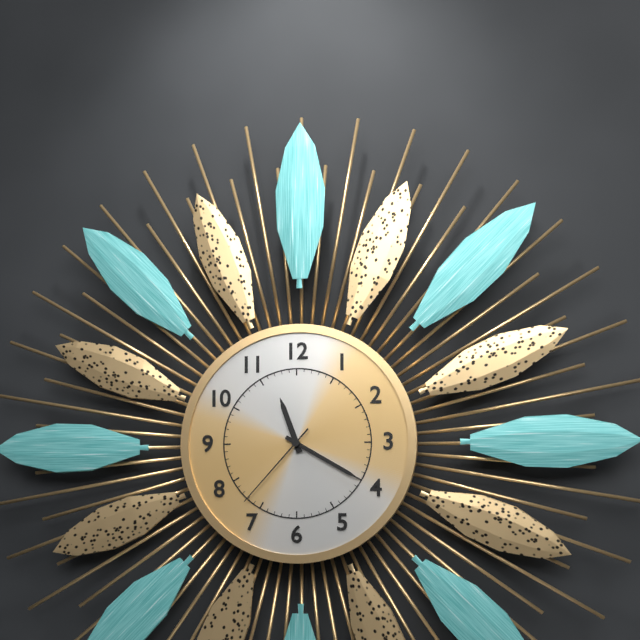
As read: 11h20m37s
